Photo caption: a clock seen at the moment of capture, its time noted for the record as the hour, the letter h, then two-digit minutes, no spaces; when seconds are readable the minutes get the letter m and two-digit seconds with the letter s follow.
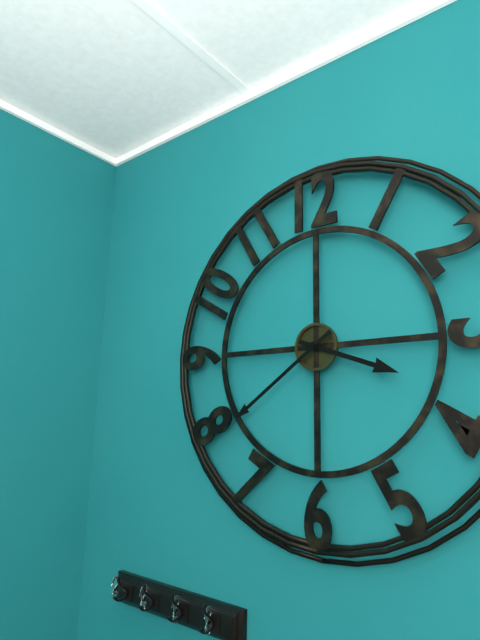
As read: 3h39
